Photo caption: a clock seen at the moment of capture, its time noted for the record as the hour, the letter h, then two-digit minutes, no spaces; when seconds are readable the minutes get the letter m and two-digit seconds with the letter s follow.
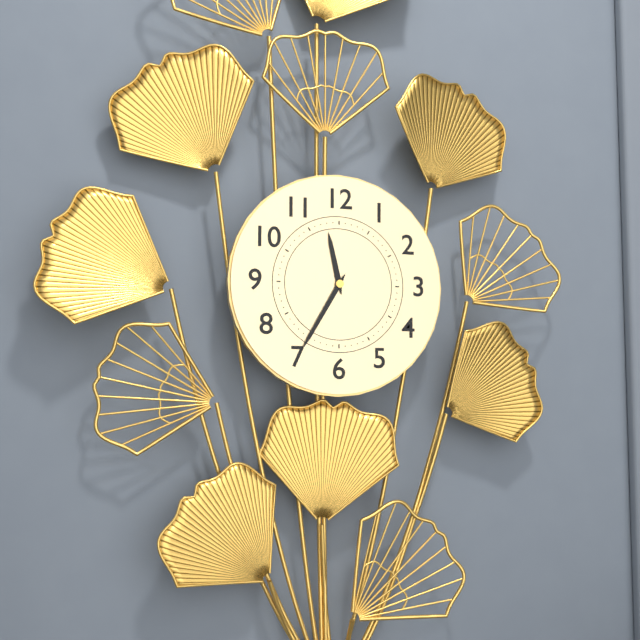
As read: 11h35
